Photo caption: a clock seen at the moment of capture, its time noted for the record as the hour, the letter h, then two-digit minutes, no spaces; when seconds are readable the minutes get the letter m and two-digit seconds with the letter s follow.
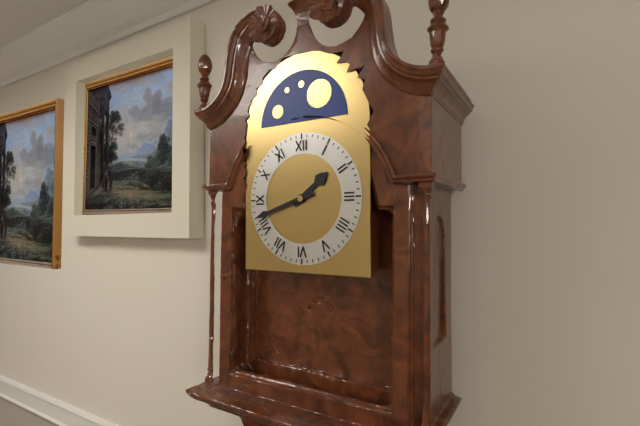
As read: 1h42
